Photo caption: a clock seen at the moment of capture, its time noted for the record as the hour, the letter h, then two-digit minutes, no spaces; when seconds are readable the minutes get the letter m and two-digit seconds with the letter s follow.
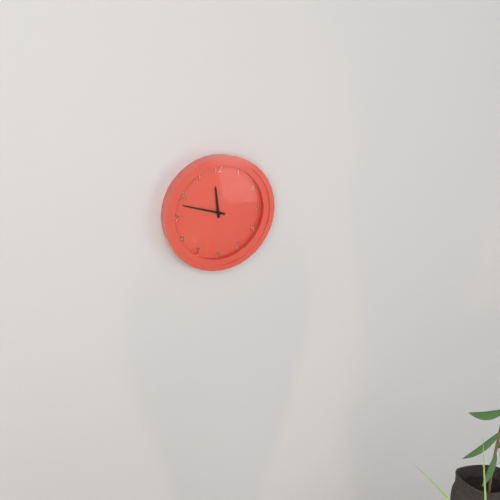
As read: 11h48
